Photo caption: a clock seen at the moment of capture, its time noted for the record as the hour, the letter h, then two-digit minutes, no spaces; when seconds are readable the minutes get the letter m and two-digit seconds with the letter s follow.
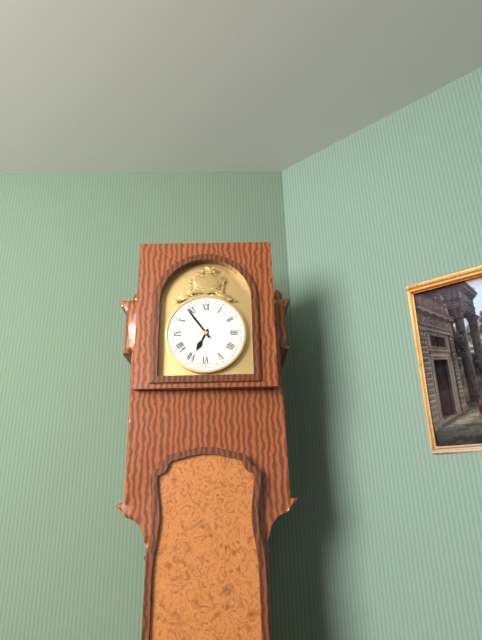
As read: 6h54
